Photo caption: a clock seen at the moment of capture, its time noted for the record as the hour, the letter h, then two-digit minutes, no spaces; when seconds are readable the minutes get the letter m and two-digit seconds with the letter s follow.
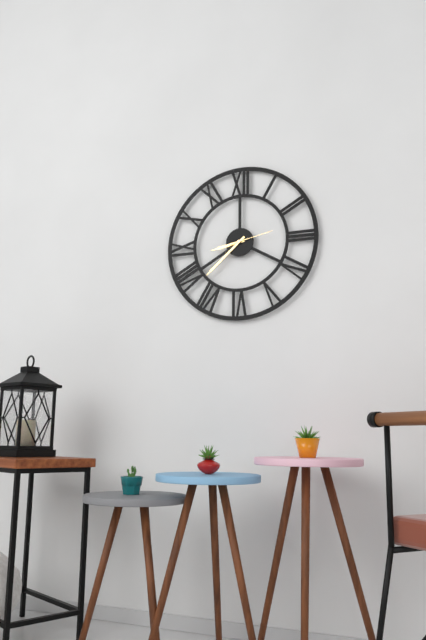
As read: 8h38
